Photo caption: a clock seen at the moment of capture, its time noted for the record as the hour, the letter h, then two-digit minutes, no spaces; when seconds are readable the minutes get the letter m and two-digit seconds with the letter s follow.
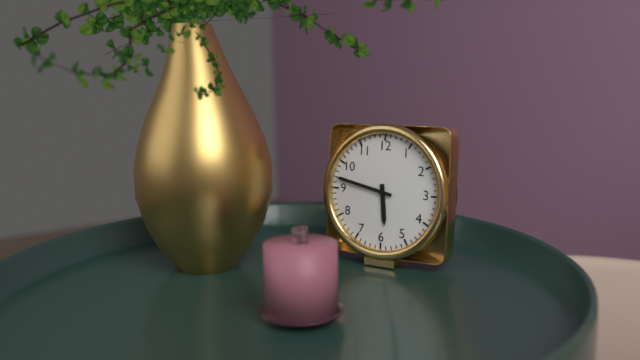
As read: 5h47
